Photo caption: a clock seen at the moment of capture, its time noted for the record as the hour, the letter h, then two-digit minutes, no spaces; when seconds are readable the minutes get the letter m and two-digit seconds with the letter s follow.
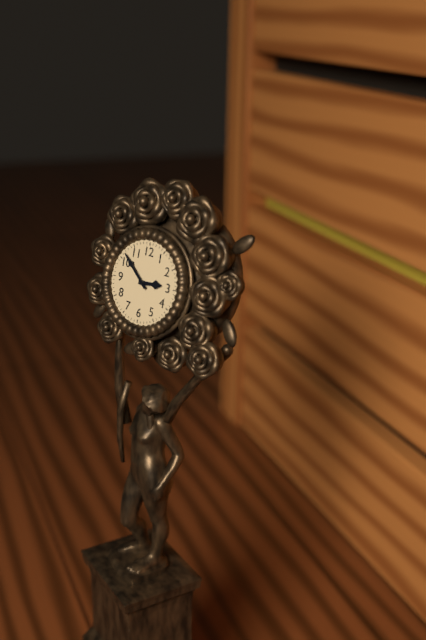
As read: 2h52
